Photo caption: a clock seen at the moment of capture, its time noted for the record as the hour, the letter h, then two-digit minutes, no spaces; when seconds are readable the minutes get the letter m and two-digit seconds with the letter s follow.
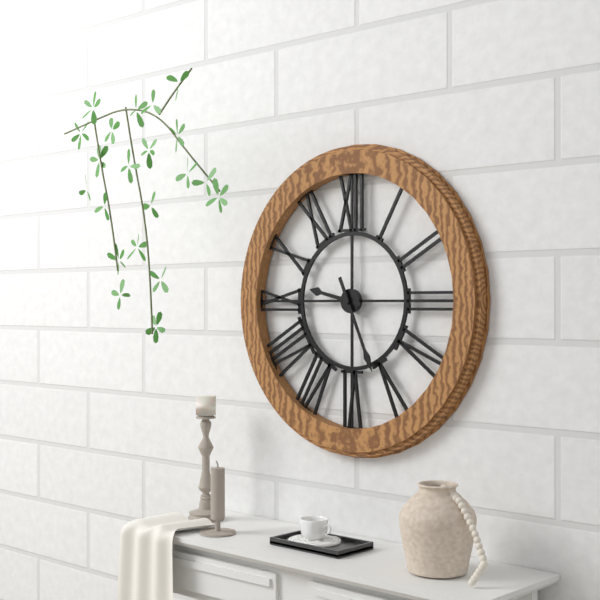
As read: 9h26
